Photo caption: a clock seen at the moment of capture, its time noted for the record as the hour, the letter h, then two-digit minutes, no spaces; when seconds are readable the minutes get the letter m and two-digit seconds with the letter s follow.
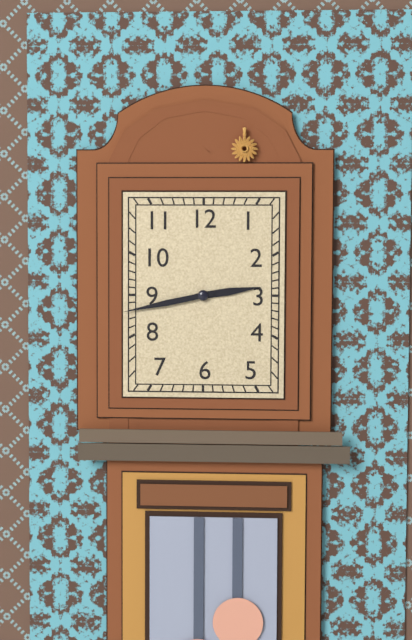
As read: 2h43
